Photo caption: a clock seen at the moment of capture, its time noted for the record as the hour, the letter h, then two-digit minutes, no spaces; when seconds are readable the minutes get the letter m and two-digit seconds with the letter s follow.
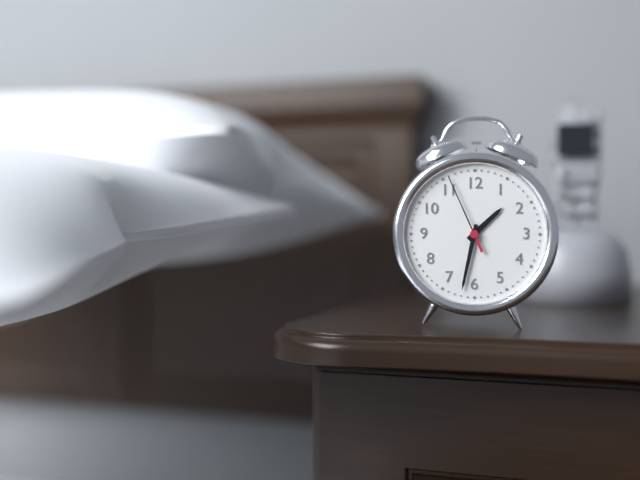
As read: 1h32m56s
